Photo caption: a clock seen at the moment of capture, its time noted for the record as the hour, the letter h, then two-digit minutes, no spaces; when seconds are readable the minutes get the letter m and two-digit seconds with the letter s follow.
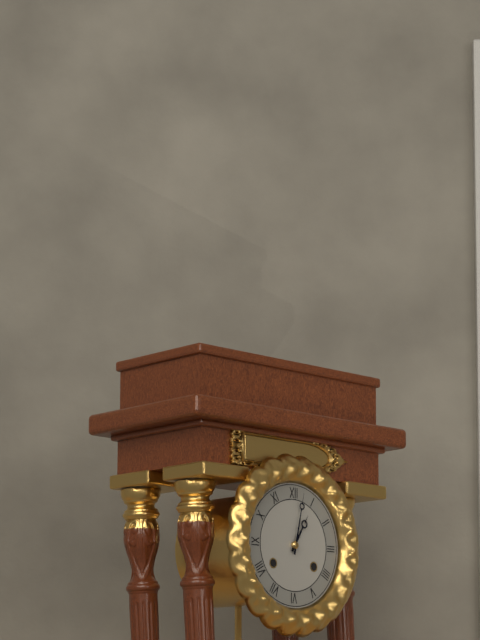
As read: 1h02
